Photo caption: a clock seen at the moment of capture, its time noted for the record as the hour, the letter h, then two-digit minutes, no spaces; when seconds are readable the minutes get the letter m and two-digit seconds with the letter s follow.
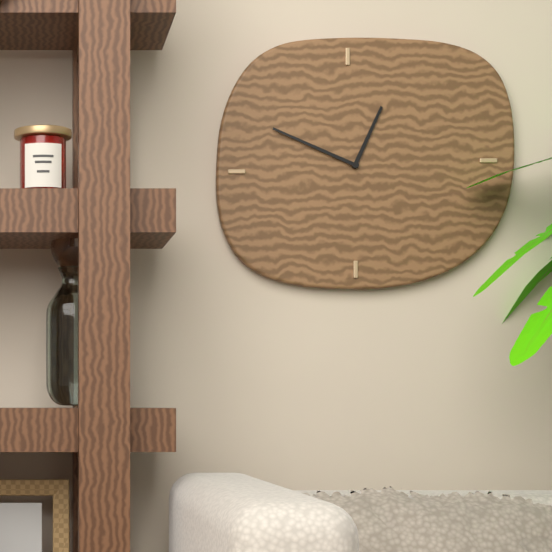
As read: 12h49
